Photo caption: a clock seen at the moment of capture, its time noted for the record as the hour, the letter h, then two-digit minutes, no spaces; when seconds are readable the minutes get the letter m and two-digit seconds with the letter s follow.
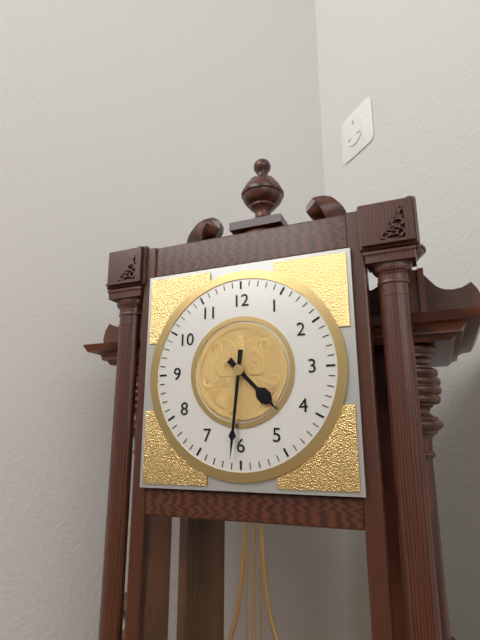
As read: 4h31
